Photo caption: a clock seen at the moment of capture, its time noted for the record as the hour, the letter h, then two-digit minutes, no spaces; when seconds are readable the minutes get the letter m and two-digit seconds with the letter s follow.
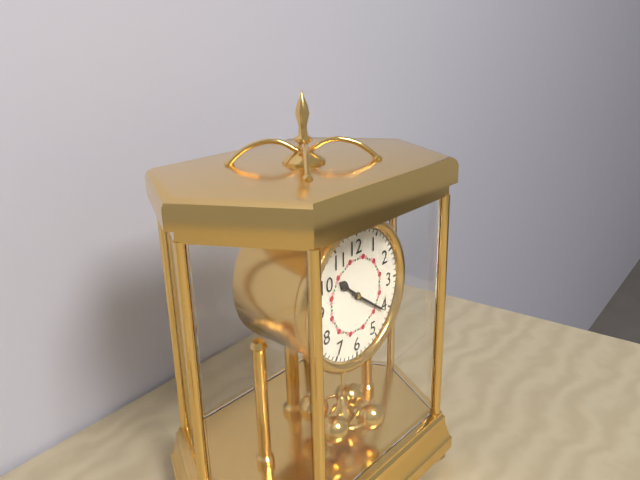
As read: 10h21
